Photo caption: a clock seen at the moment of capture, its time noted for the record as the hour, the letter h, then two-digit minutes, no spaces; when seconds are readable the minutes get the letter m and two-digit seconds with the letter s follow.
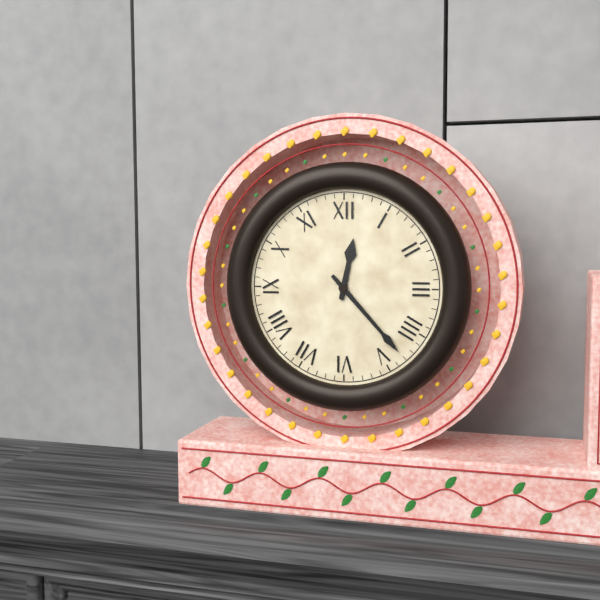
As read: 12h23
